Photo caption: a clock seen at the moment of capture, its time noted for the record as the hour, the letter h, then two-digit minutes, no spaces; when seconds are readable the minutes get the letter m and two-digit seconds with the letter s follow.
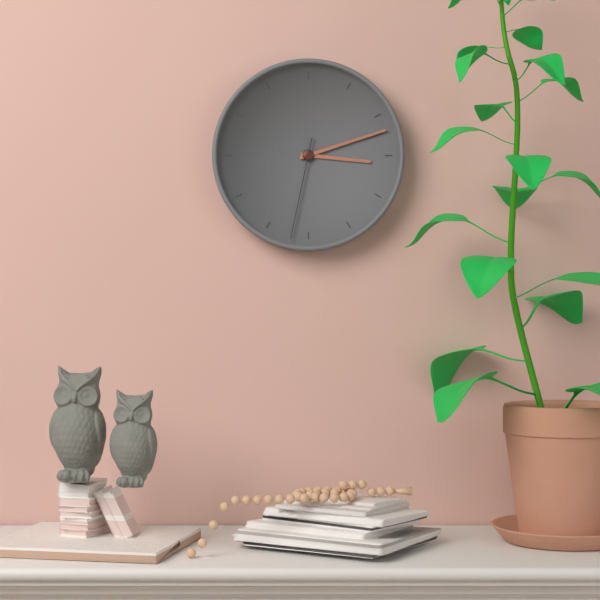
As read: 3h12m32s
